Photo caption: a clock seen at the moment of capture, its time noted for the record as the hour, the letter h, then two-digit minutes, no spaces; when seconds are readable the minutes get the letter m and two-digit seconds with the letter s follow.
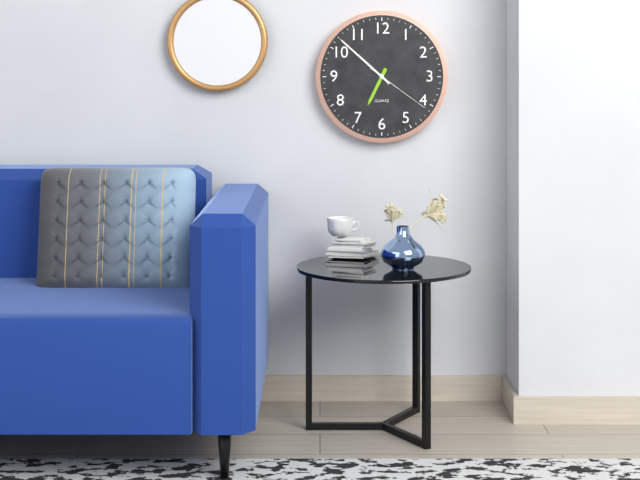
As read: 6h52m21s
